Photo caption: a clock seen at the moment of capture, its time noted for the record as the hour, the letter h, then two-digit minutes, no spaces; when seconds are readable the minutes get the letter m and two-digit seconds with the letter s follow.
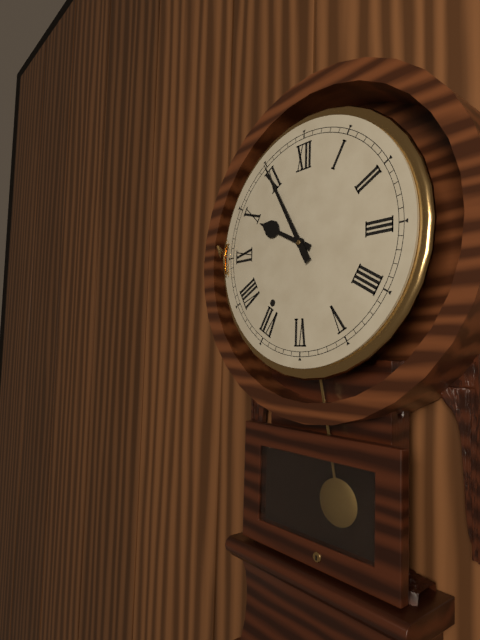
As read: 9h55
